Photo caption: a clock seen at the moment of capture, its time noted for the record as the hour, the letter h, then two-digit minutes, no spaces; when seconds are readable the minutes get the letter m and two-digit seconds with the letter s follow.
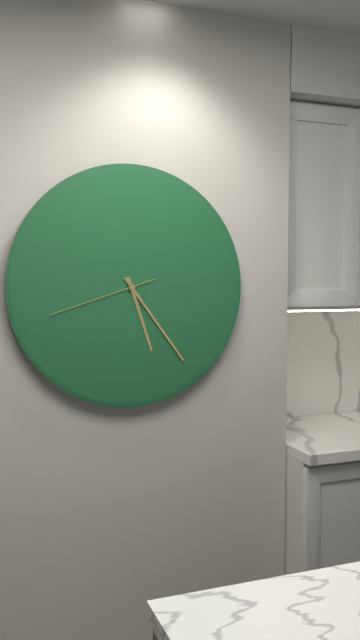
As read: 5h24m42s
